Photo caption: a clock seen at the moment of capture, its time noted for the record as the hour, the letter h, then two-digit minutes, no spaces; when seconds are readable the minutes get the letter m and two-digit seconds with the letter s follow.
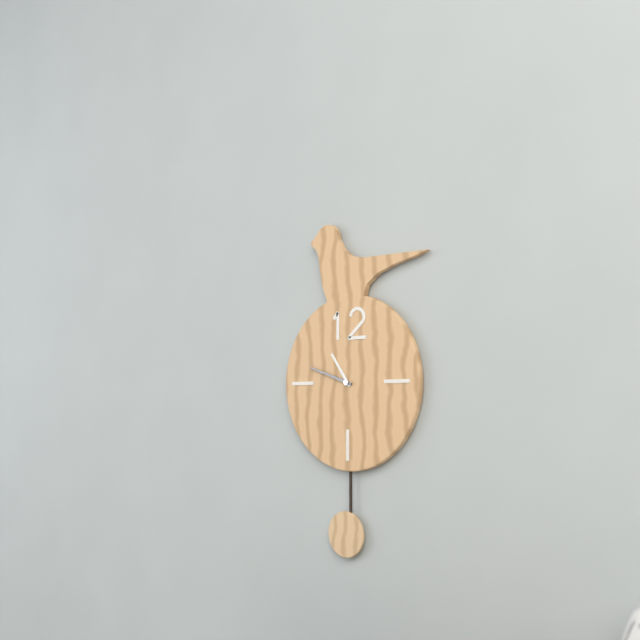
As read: 10h48
